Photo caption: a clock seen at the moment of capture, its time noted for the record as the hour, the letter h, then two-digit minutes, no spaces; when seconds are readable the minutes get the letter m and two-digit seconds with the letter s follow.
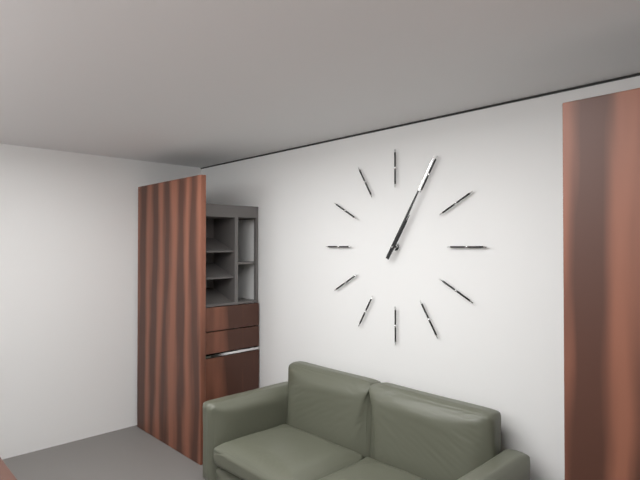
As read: 1h05
